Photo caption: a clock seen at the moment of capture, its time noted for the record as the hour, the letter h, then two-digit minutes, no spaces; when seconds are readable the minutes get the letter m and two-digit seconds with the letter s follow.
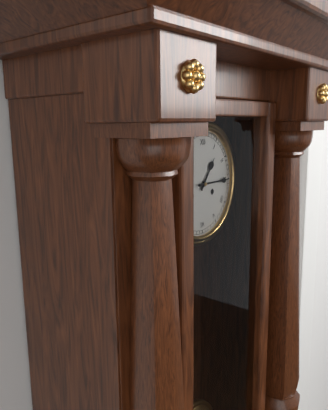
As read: 1h15
